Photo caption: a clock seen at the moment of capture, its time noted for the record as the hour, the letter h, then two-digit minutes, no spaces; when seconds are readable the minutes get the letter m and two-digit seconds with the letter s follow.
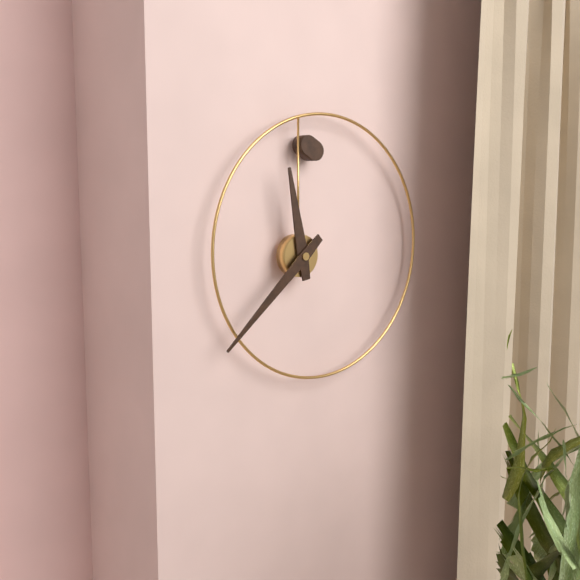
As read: 11h38
